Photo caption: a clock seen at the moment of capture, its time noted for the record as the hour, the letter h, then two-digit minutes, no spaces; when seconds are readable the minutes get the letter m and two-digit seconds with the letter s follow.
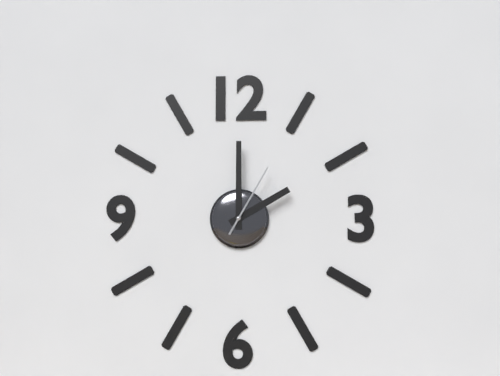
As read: 2h00m05s
